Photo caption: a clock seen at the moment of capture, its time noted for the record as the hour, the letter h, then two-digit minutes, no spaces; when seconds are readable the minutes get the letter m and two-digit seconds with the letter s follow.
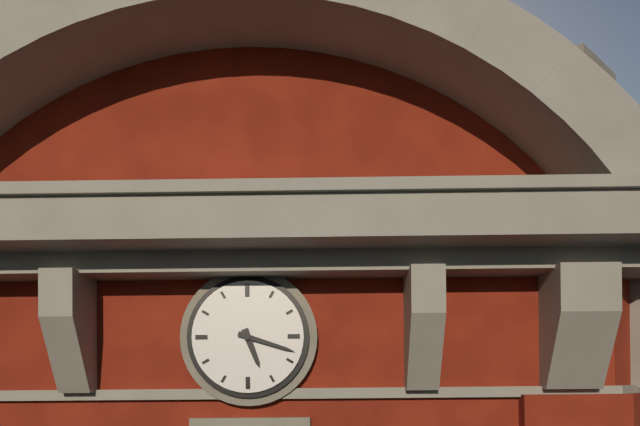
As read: 5h18
